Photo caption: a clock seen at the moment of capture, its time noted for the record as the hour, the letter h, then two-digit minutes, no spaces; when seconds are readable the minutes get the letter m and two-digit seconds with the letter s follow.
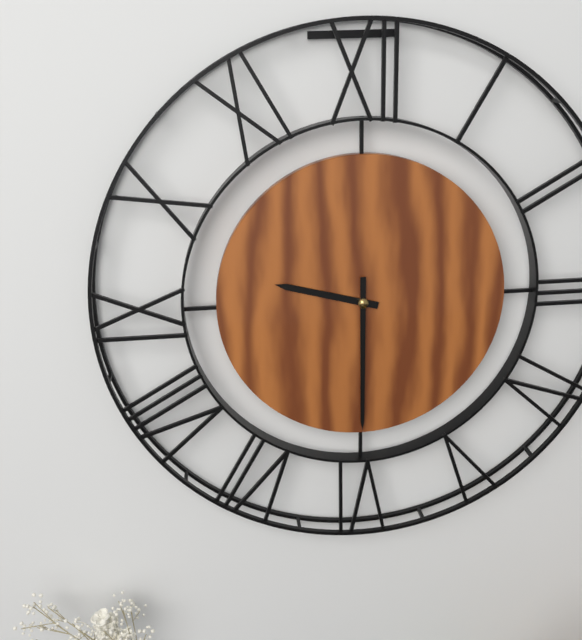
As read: 9h30
